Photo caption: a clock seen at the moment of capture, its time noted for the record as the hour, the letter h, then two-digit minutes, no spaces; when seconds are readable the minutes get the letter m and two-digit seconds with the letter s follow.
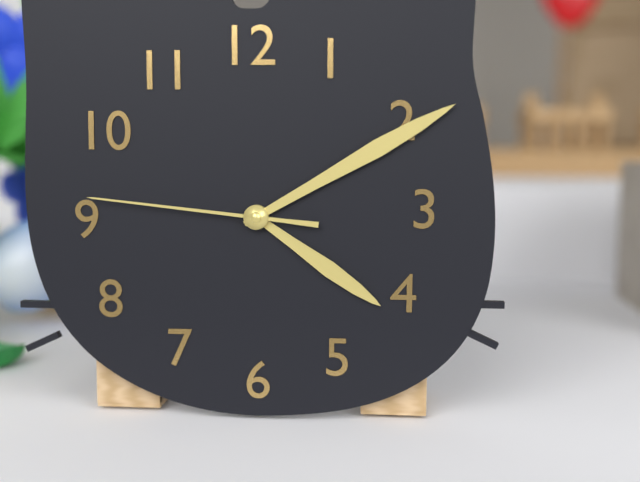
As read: 4h10m46s
